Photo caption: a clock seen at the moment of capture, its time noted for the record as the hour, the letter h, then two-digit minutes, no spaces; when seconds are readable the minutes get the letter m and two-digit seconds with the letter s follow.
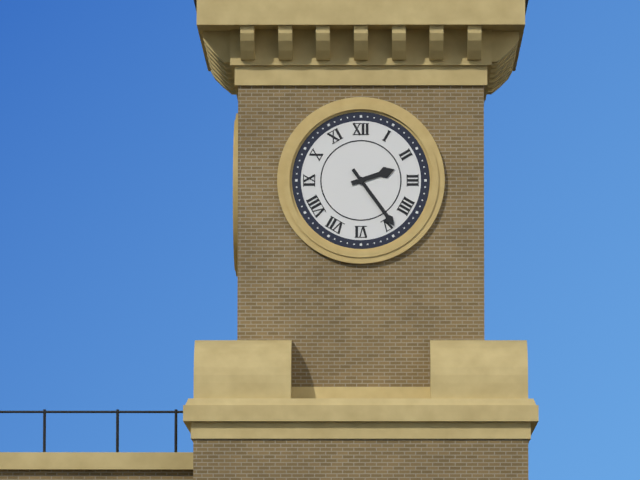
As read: 2h24
